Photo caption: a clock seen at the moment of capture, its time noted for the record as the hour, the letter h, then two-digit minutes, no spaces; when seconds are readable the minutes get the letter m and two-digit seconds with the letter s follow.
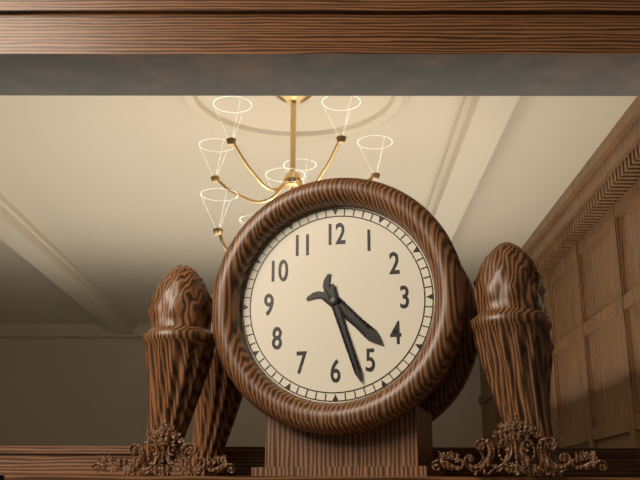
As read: 4h27
